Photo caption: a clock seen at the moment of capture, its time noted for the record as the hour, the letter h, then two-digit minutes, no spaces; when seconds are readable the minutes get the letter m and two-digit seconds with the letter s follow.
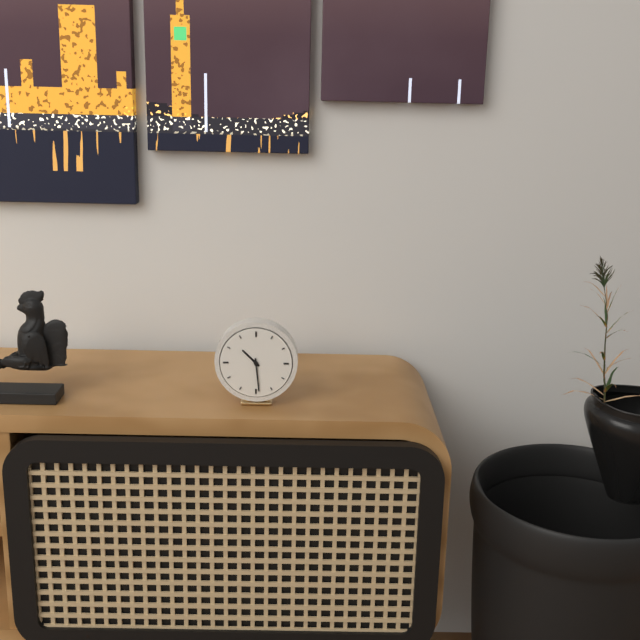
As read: 10h29
